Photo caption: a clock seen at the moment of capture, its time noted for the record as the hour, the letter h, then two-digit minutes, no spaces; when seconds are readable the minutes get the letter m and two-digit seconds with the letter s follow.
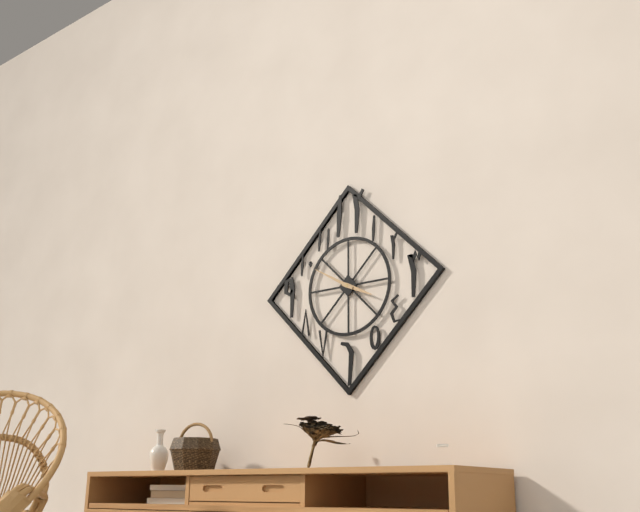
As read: 3h50
